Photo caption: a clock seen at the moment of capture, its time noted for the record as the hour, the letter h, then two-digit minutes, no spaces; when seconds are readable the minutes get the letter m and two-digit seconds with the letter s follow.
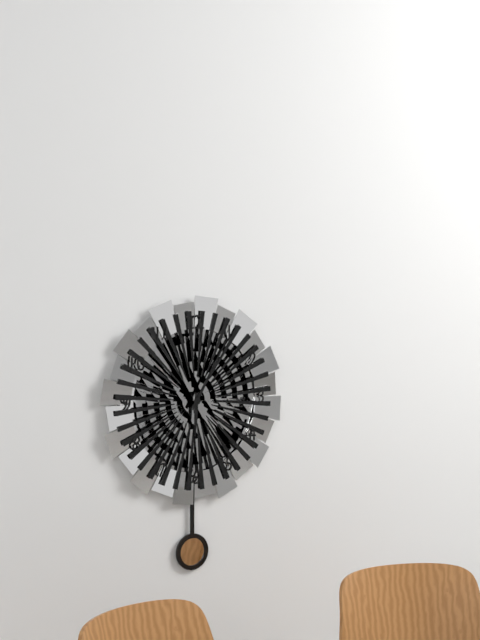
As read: 6h05
